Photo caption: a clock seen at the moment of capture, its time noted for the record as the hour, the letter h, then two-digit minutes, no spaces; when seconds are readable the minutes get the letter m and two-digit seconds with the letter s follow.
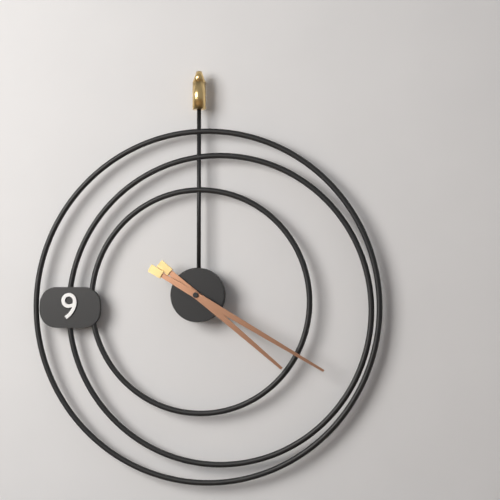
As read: 4h20
